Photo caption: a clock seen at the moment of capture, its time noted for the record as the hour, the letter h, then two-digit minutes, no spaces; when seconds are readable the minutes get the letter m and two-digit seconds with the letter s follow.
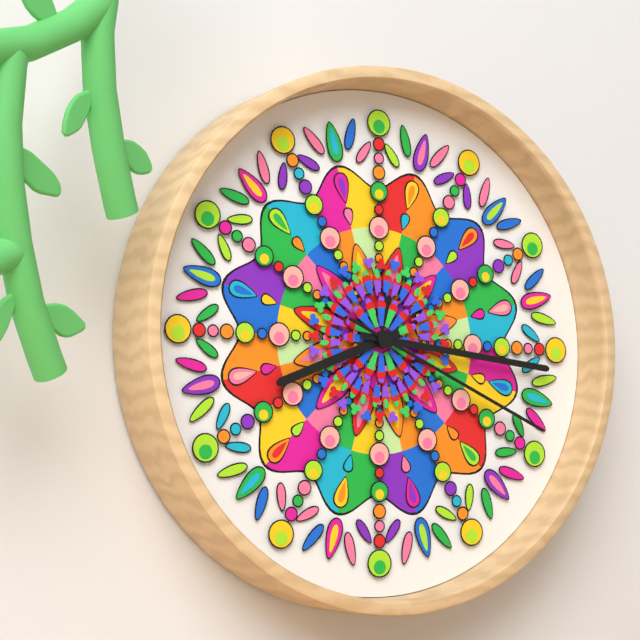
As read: 8h16m19s
